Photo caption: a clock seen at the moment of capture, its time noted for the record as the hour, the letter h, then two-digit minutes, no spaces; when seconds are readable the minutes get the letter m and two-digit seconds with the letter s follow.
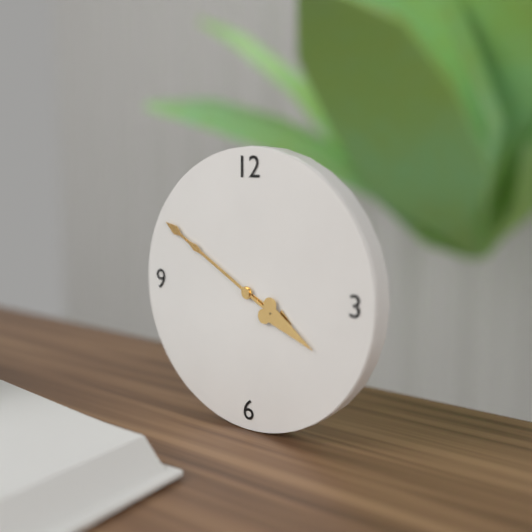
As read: 3h50
